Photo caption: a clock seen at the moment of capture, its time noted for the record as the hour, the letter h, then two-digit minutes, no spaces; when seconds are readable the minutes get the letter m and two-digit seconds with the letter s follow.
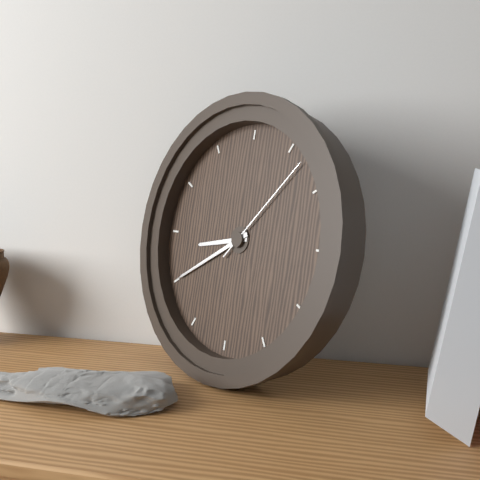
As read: 8h40m07s
